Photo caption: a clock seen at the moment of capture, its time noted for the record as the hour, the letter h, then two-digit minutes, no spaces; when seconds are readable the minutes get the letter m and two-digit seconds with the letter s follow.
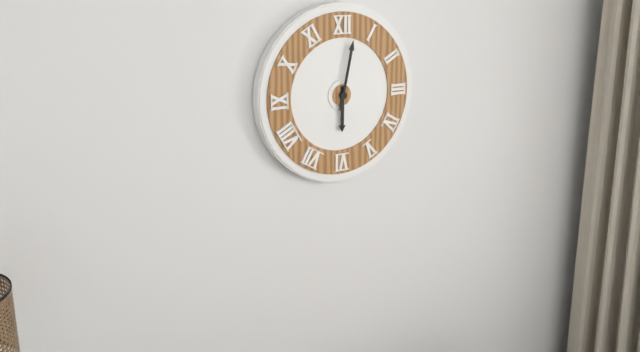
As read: 6h02
